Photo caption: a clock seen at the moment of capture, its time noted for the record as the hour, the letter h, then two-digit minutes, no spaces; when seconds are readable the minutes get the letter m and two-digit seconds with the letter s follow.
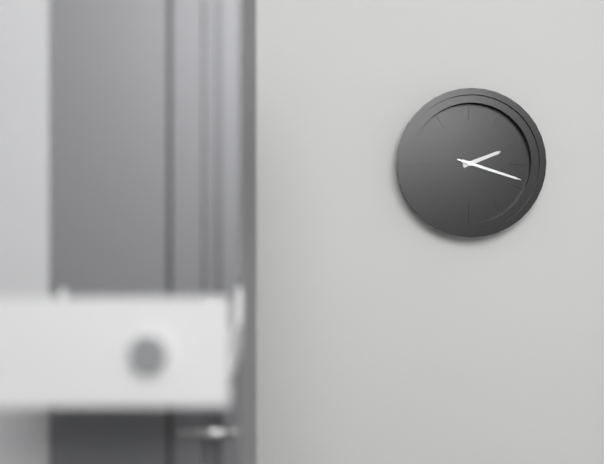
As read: 2h18m18s
